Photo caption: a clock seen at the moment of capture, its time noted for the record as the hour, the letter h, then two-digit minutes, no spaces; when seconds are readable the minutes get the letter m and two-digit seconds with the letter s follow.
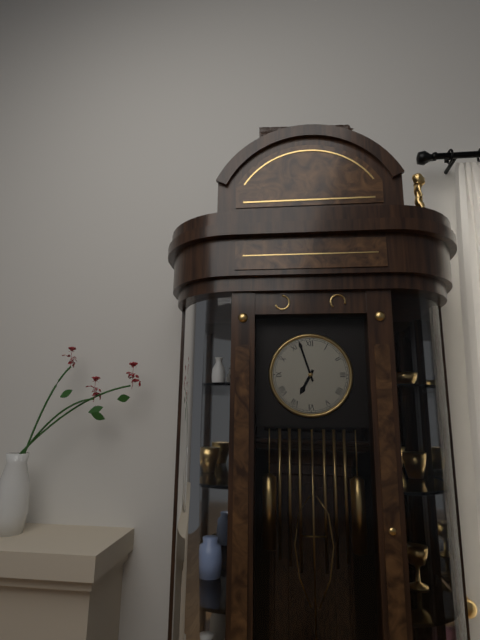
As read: 6h57
